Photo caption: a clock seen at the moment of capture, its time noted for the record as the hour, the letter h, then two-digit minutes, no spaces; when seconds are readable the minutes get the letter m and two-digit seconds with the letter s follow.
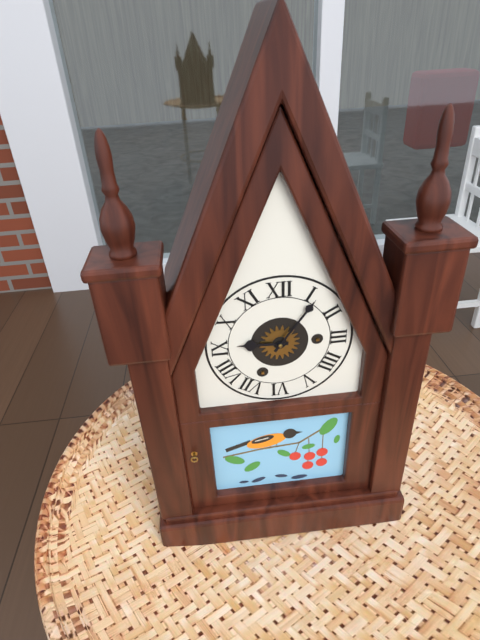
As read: 9h06
